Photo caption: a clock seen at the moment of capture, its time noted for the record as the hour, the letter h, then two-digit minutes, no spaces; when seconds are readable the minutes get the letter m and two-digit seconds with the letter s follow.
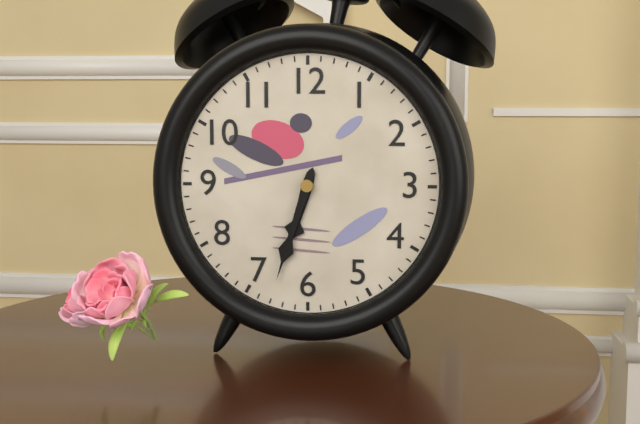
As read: 6h33
